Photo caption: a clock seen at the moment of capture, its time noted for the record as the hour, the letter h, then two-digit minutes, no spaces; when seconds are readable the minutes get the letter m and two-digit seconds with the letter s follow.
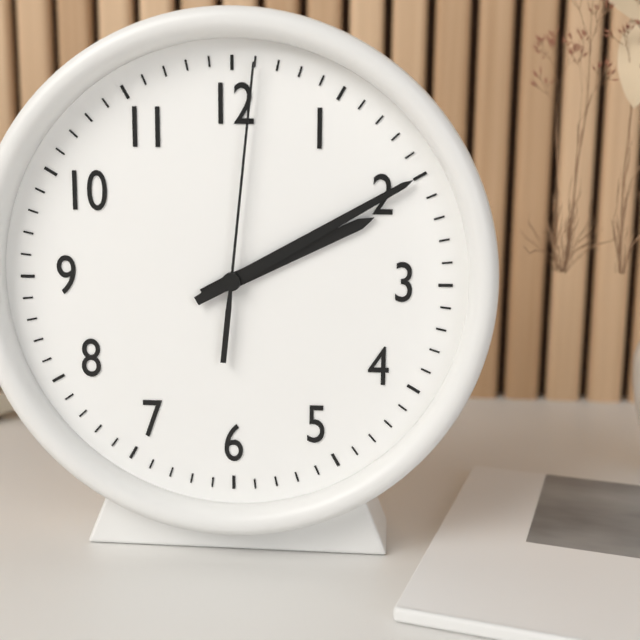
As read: 2h10m01s
